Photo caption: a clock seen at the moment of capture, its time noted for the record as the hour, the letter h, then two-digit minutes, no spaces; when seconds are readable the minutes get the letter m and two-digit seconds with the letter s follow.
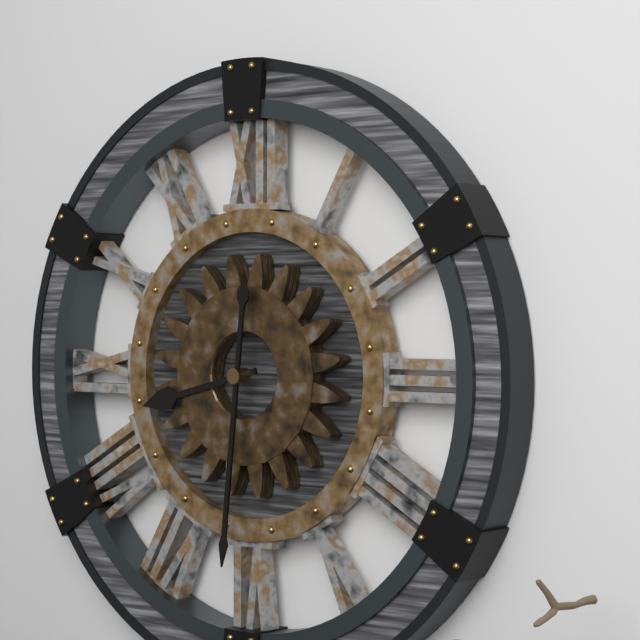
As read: 8h31
